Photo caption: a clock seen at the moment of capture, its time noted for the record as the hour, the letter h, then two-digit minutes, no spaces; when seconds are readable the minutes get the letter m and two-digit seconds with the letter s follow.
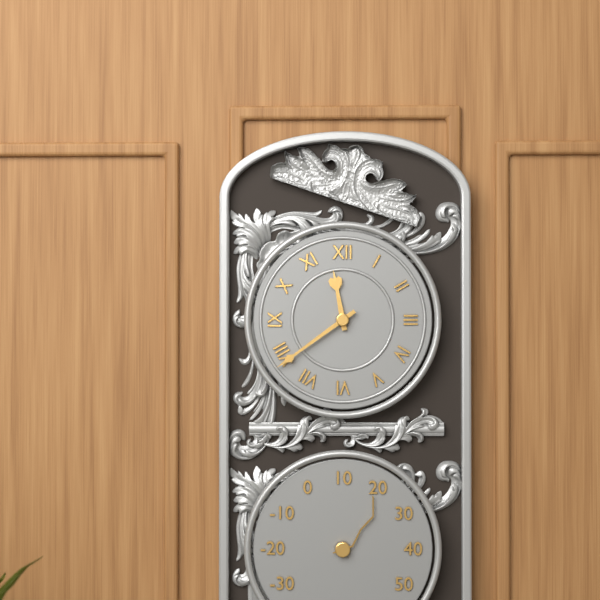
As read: 11h39
